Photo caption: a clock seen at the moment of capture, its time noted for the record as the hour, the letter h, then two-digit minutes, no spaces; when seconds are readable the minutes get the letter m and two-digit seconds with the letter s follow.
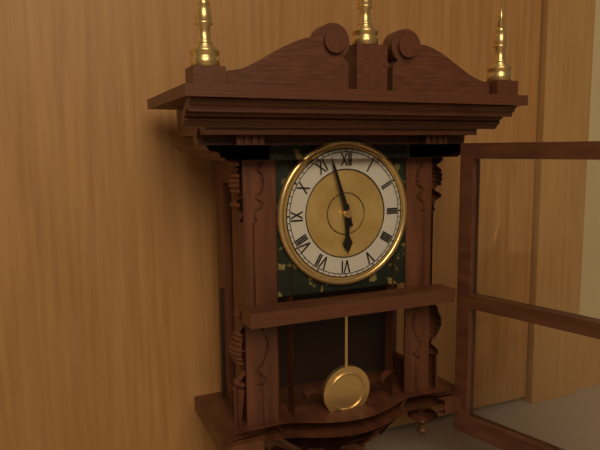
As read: 5h57
